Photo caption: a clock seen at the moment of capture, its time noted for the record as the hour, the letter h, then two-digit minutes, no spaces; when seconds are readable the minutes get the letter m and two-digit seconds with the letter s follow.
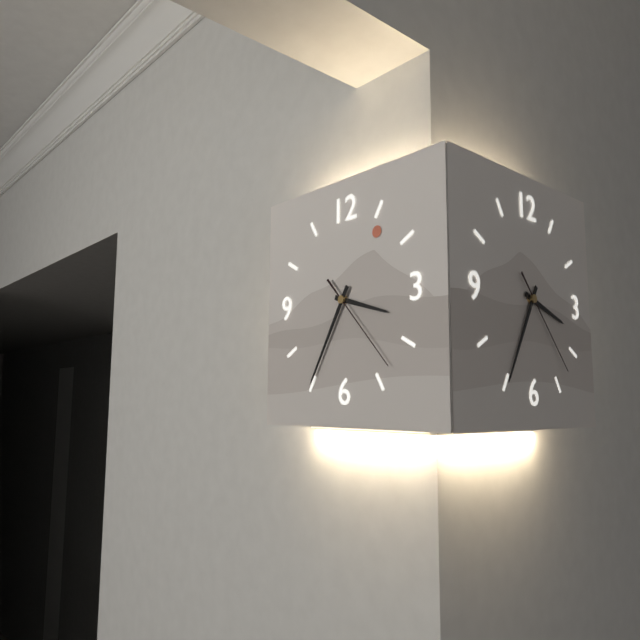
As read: 3h35m23s
